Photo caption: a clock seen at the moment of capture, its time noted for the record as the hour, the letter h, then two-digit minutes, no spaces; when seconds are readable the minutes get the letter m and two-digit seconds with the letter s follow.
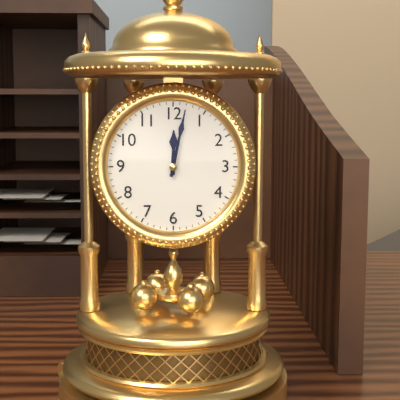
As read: 12h02
